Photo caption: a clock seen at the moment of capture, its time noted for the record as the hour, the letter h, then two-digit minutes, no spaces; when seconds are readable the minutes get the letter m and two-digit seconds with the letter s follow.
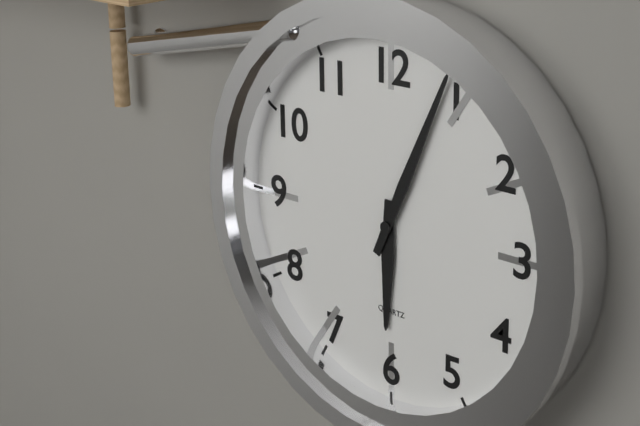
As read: 6h04
